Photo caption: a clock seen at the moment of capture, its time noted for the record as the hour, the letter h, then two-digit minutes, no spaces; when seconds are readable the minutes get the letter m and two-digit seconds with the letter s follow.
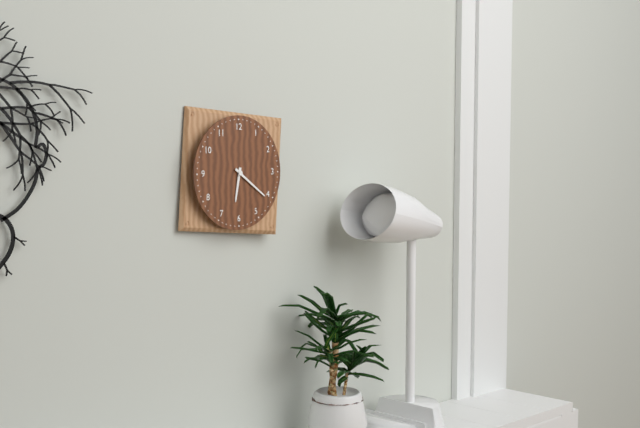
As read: 6h21
